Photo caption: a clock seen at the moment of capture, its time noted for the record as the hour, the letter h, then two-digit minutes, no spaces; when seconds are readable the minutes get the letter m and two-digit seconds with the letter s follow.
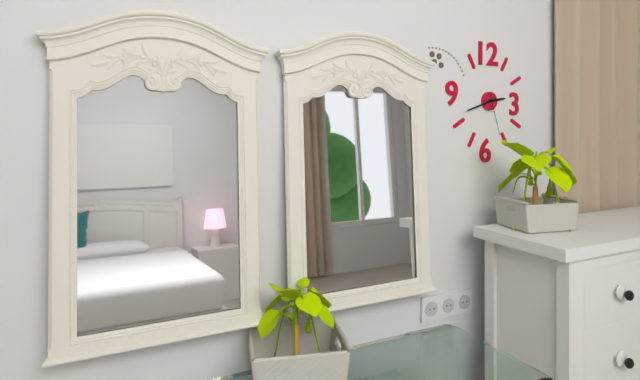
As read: 2h42
